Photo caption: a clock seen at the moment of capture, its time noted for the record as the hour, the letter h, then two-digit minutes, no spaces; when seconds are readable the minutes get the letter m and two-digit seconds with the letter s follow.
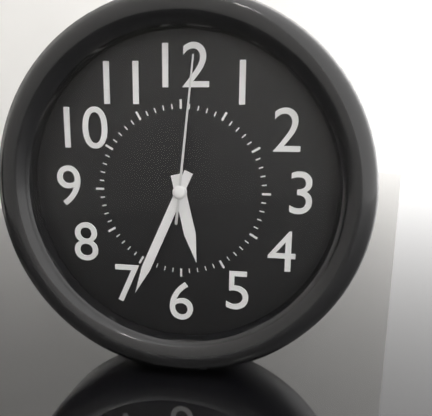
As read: 5h34m01s
